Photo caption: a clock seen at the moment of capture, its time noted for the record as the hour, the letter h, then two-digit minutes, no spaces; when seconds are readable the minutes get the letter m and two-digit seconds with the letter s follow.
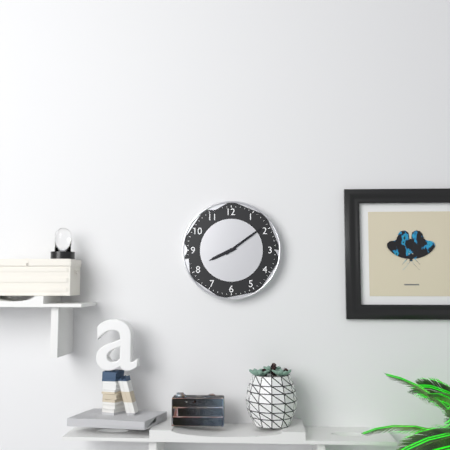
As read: 8h09
